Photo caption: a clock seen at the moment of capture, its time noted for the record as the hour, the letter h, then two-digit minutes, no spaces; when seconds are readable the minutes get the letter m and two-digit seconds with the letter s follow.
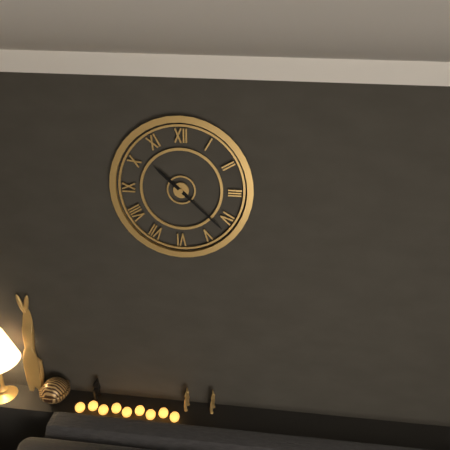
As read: 10h22
